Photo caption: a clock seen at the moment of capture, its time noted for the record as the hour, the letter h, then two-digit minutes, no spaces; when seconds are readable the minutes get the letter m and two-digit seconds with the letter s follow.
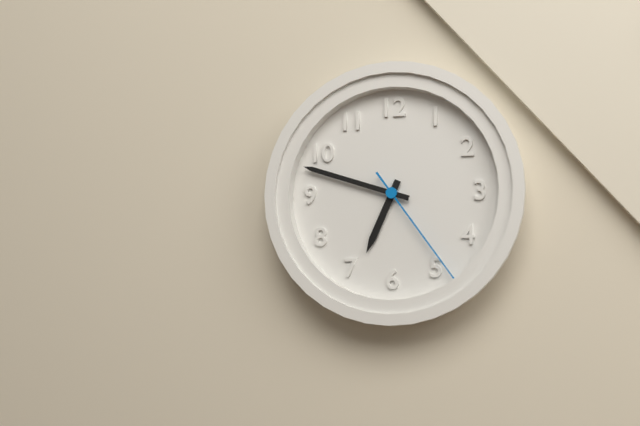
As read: 6h48m24s
